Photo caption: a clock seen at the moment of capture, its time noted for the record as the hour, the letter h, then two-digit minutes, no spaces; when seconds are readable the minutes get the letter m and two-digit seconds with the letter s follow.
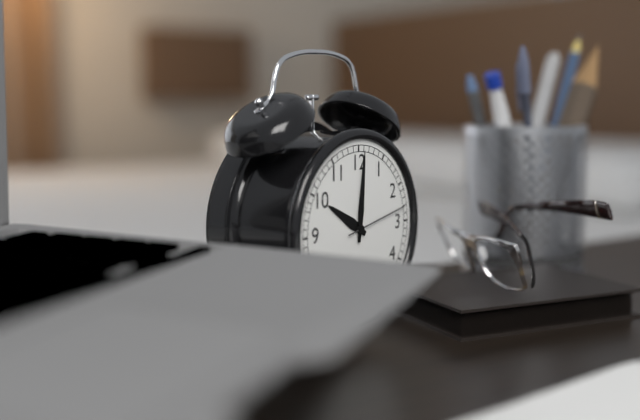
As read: 10h01m13s
